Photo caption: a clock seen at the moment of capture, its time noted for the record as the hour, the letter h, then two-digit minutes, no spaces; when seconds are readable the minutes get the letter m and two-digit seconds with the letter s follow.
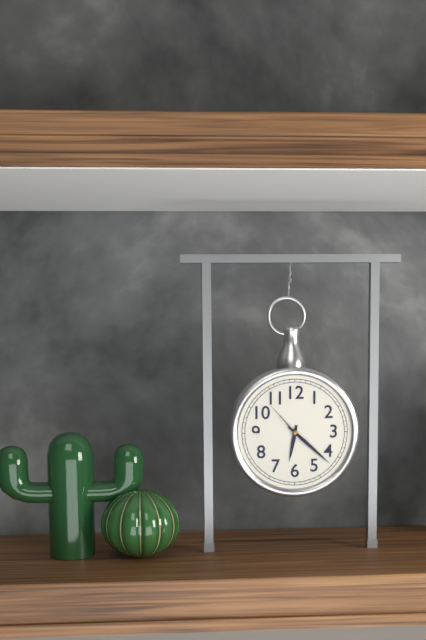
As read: 6h22
